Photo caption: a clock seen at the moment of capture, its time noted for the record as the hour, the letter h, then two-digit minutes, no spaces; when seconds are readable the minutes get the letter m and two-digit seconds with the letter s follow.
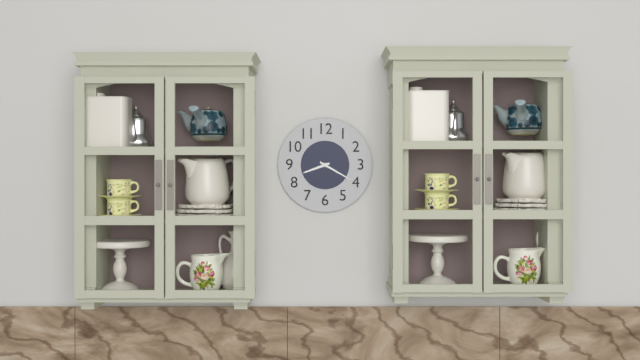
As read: 8h20
